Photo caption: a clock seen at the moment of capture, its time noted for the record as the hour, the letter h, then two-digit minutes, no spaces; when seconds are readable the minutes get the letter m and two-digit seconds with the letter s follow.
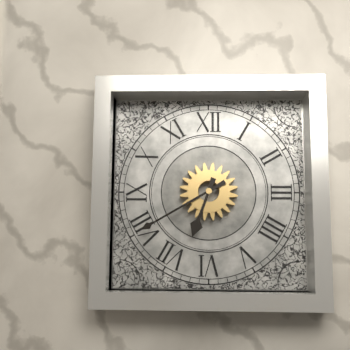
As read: 6h40
